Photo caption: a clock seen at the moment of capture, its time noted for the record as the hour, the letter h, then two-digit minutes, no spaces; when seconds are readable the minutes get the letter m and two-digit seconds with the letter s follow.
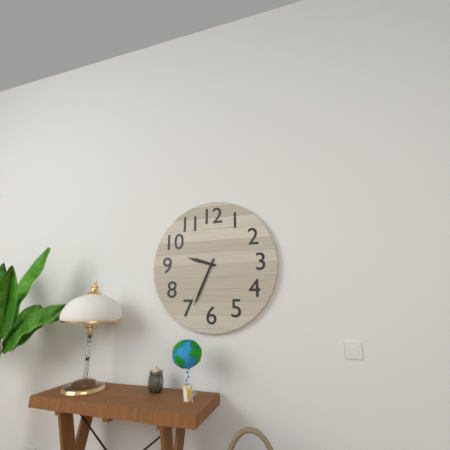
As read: 9h34
